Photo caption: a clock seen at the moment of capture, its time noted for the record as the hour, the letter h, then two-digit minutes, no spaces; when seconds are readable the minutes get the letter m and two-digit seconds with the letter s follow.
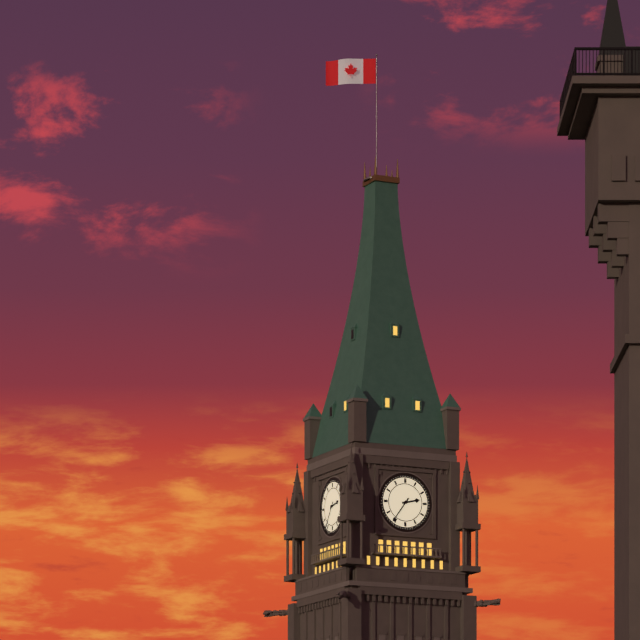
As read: 2h36
